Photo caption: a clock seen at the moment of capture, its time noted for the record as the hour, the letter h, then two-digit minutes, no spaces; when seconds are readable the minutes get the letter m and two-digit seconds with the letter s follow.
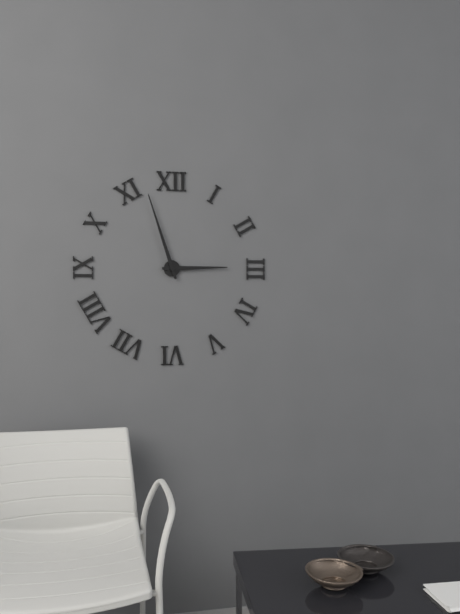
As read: 2h57
